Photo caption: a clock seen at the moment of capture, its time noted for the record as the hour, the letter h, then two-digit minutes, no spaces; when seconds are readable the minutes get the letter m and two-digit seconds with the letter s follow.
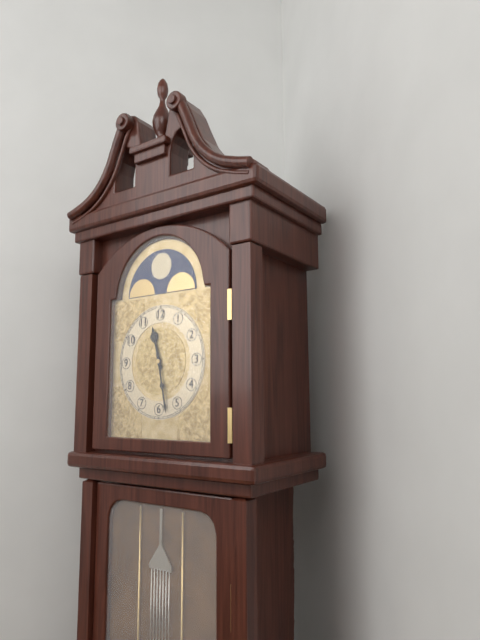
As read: 11h28
